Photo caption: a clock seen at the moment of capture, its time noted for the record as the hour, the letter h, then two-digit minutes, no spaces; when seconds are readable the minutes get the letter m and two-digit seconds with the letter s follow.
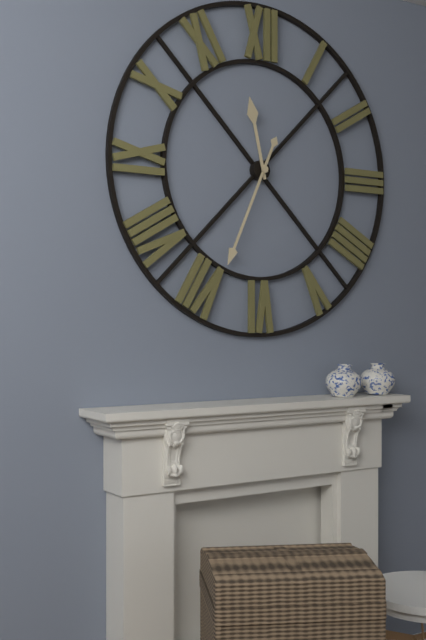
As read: 11h34
